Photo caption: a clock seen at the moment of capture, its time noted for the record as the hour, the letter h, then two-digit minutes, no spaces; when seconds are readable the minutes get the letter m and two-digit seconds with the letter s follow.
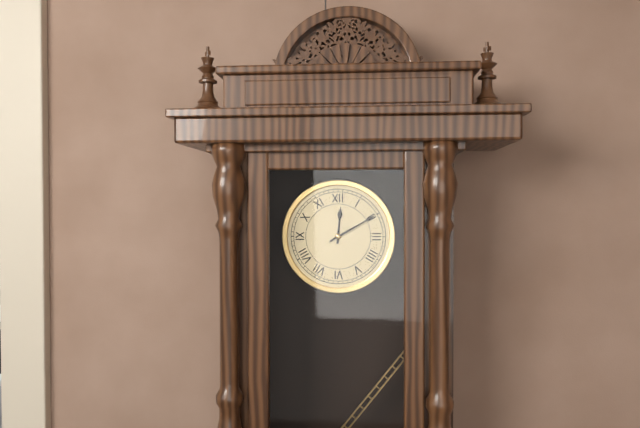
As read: 12h10
